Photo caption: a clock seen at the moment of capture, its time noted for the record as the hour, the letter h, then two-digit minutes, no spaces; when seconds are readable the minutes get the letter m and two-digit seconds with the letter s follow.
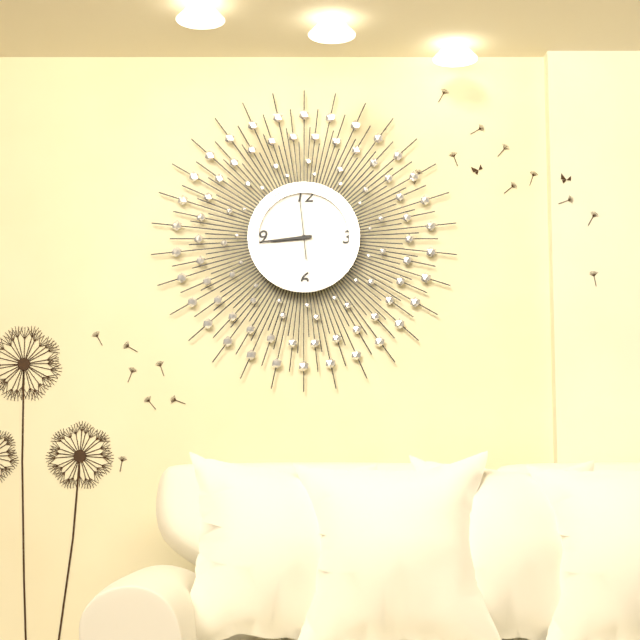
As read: 8h44m59s
